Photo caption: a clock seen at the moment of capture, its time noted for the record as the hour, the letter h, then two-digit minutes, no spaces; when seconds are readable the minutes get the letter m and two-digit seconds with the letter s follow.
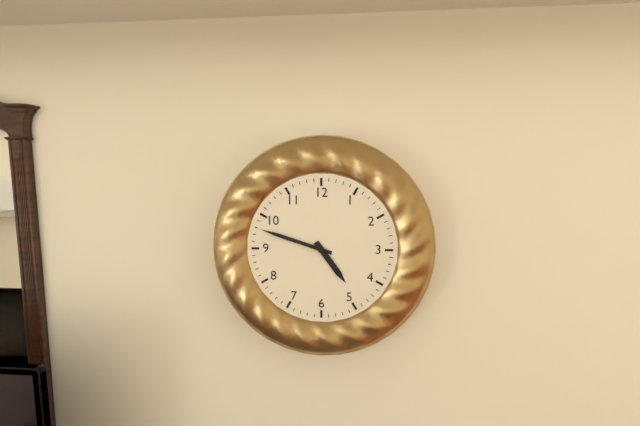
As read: 4h48
